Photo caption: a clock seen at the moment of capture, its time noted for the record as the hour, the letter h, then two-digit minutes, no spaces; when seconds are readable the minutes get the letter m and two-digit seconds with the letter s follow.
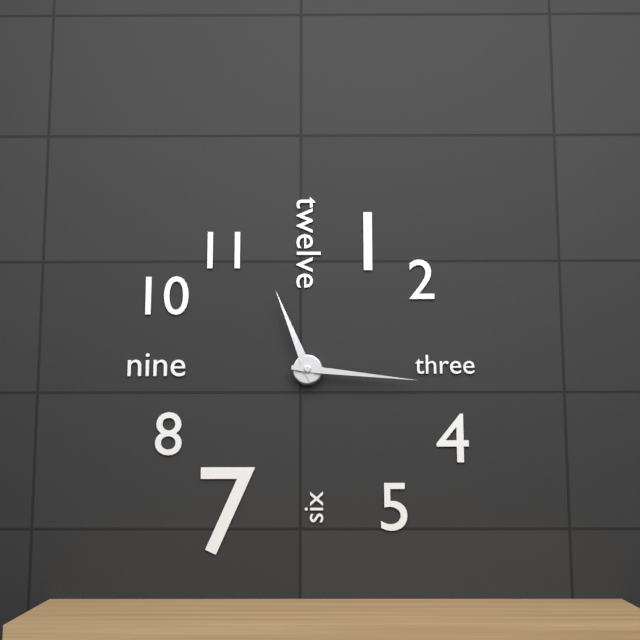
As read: 11h16
